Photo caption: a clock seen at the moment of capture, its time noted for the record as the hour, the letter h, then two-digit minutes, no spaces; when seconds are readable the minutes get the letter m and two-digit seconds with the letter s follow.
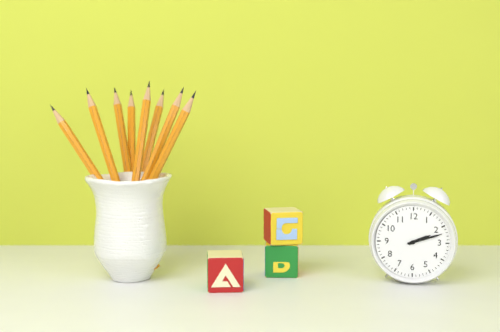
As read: 2h12
